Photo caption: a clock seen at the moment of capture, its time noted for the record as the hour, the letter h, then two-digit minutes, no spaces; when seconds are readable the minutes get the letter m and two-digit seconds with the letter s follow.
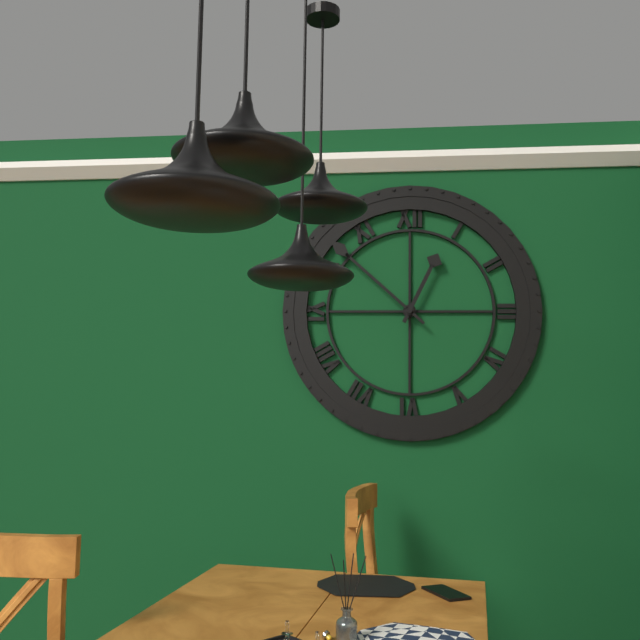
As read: 12h52
